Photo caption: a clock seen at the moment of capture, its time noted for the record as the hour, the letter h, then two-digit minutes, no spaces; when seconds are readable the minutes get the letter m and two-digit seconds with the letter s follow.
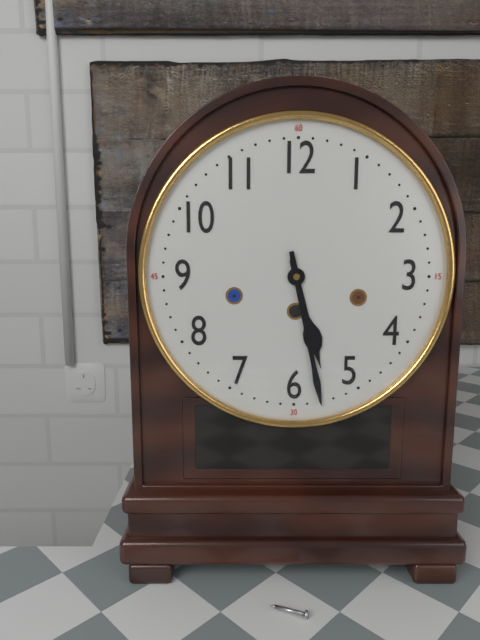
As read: 5h28
